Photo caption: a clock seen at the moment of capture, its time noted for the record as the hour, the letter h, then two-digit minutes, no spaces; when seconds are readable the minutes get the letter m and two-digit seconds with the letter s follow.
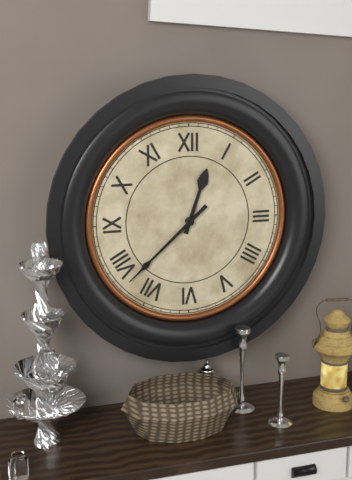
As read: 12h38
